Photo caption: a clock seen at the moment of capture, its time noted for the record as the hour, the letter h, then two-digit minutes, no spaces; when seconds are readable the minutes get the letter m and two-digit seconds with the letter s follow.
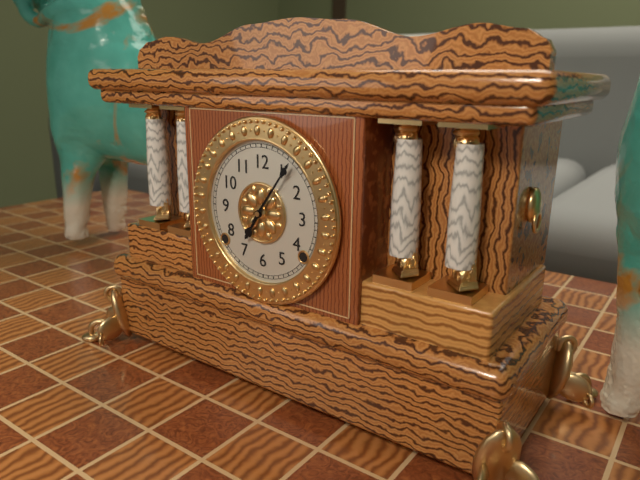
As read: 7h06
